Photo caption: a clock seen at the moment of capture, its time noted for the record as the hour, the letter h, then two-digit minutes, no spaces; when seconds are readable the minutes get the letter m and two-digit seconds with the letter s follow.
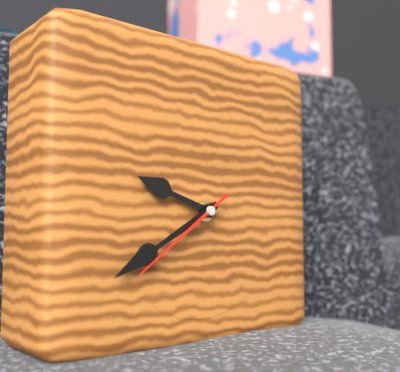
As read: 9h40m39s
